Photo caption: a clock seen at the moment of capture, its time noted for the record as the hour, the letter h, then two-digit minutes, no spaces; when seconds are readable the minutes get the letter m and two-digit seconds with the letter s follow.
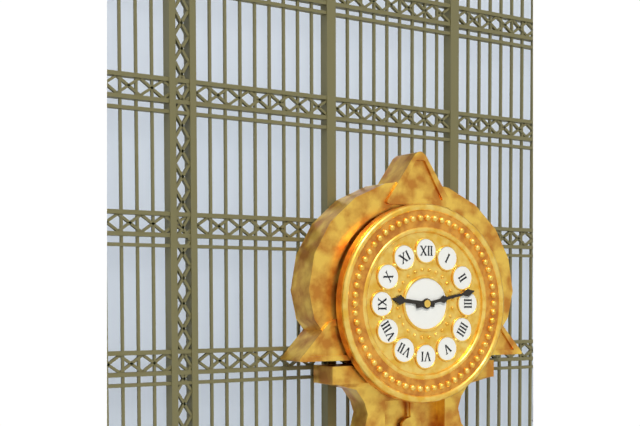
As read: 9h13
